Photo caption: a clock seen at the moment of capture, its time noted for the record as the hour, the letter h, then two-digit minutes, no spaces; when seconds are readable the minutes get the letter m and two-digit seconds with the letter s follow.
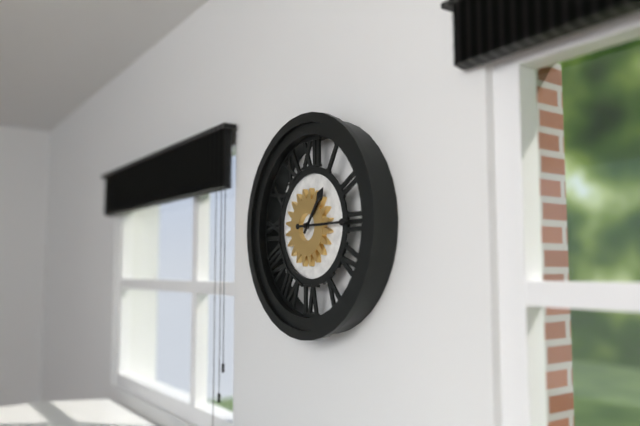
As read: 1h15
